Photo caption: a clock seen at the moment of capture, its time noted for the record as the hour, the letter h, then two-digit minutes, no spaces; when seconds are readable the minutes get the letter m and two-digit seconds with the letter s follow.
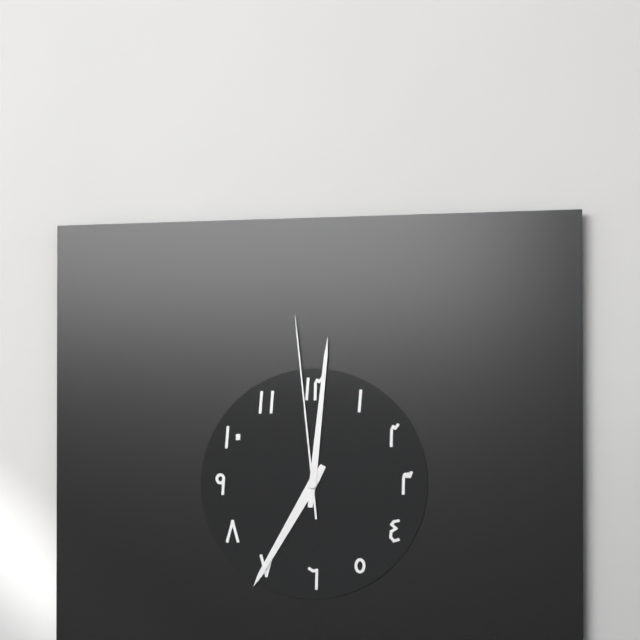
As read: 7h01m59s
